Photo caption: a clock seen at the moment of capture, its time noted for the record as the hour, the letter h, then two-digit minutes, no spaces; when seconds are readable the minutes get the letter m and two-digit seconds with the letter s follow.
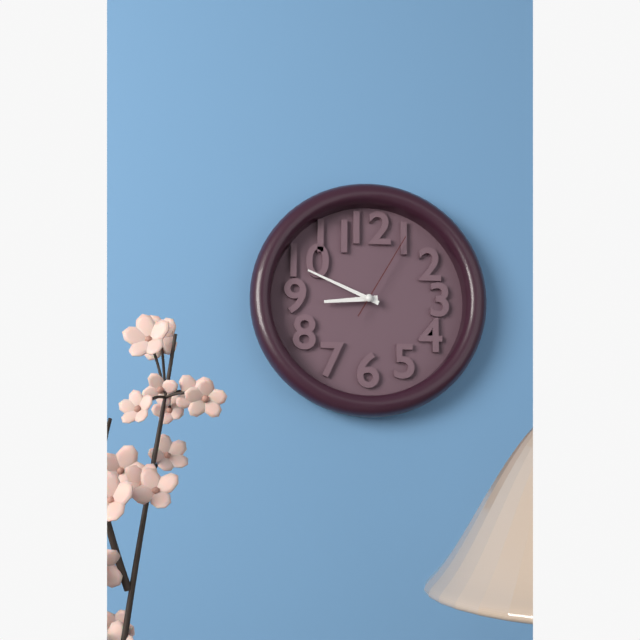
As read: 8h49m05s
